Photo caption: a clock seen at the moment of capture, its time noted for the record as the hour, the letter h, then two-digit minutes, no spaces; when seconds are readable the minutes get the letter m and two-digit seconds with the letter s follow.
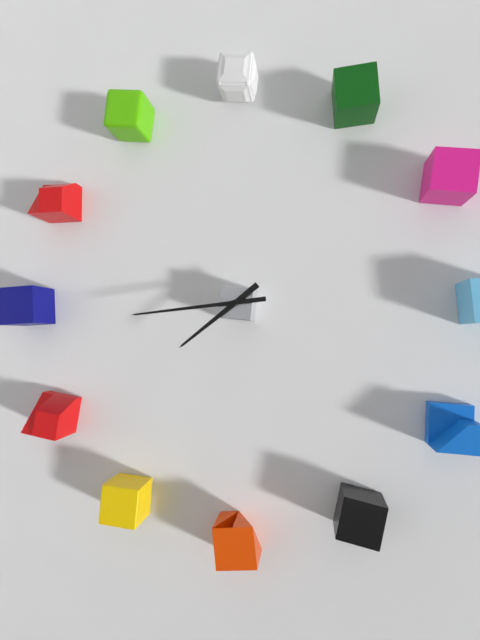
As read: 7h44
